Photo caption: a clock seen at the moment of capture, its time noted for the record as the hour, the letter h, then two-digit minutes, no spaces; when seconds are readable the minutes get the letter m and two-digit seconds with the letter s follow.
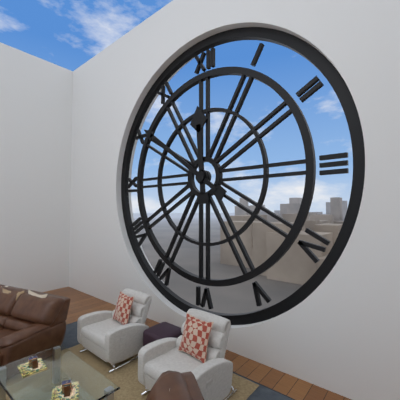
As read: 11h51
